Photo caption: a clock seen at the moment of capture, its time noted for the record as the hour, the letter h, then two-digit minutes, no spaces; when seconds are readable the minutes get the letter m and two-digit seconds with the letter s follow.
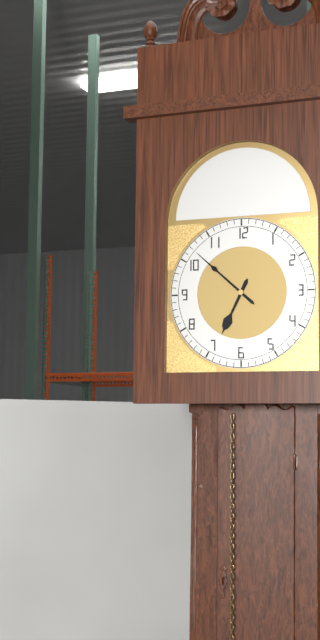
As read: 6h52
